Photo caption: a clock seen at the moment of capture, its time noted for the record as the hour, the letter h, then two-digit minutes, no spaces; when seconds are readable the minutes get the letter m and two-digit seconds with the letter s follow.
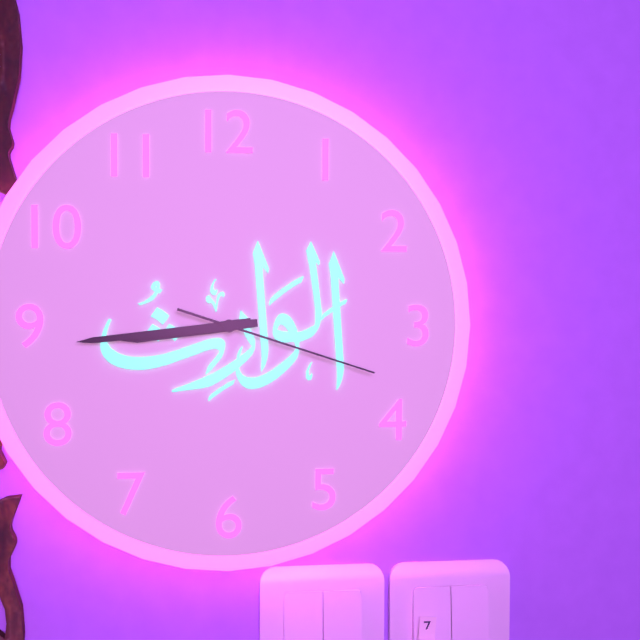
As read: 8h44m18s
